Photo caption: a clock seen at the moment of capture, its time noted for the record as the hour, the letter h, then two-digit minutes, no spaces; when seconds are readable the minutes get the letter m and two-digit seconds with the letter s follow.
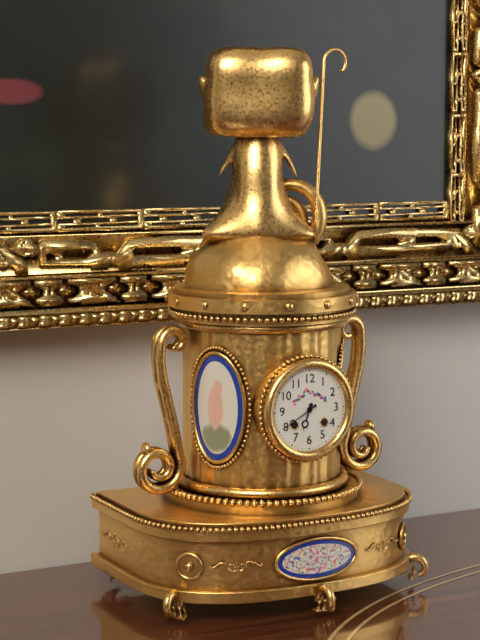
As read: 6h40
